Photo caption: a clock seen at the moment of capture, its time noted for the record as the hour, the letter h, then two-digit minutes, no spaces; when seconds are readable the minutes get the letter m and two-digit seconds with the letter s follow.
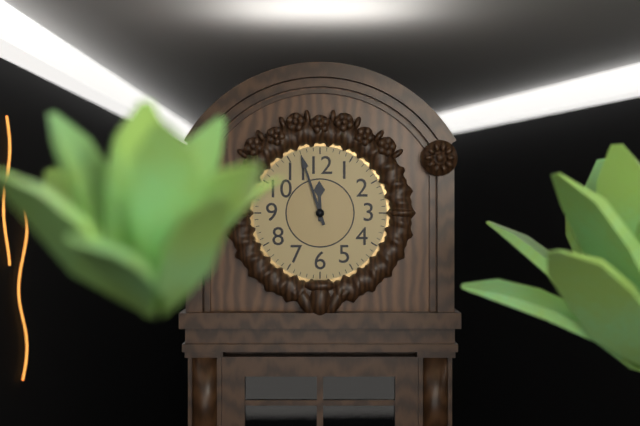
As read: 11h57
